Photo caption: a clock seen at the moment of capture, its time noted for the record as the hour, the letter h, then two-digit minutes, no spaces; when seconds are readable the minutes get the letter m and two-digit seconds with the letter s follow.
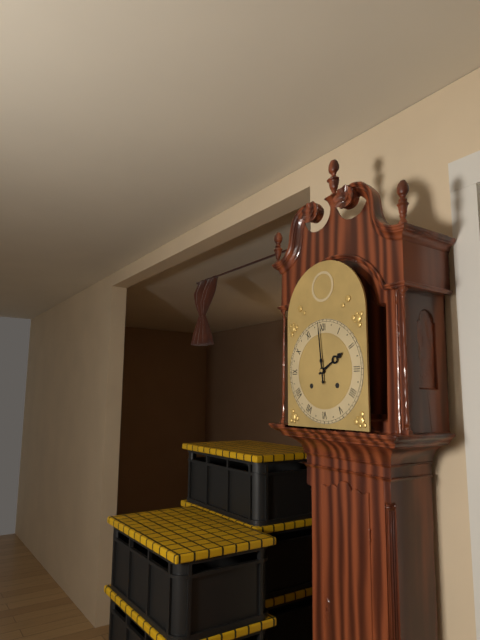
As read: 1h59
